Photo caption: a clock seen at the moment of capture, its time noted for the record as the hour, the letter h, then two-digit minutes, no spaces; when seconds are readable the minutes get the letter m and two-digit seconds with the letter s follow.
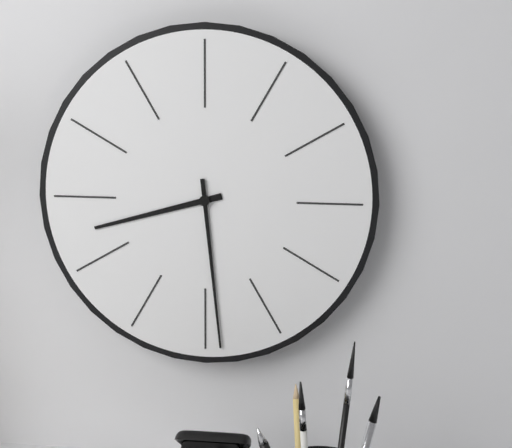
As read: 8h29
